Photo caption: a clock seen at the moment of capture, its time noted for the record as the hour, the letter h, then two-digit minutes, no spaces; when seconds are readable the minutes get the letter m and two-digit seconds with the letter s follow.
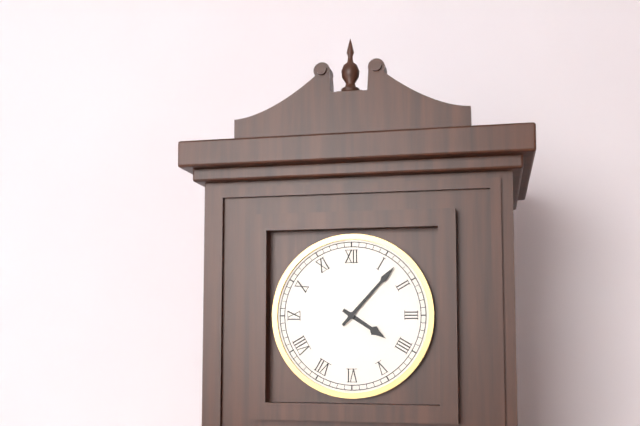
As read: 4h07
